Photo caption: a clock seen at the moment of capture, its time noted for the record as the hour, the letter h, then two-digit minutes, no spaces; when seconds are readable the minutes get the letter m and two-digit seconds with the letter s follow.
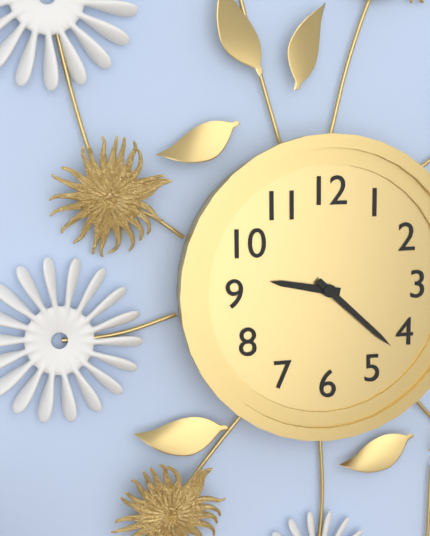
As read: 9h22
